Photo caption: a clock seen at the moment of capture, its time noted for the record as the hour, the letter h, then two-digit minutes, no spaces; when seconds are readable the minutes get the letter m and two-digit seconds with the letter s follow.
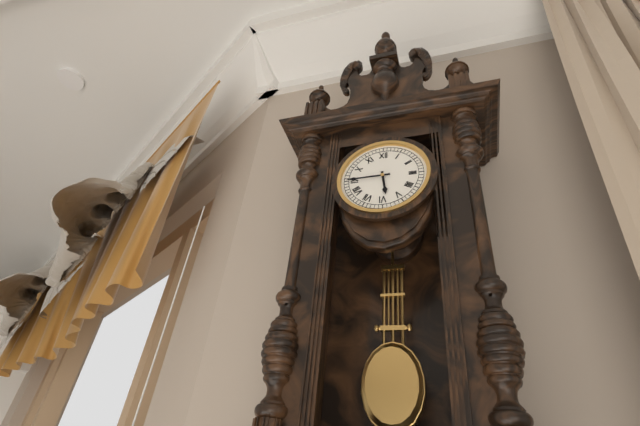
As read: 5h45
